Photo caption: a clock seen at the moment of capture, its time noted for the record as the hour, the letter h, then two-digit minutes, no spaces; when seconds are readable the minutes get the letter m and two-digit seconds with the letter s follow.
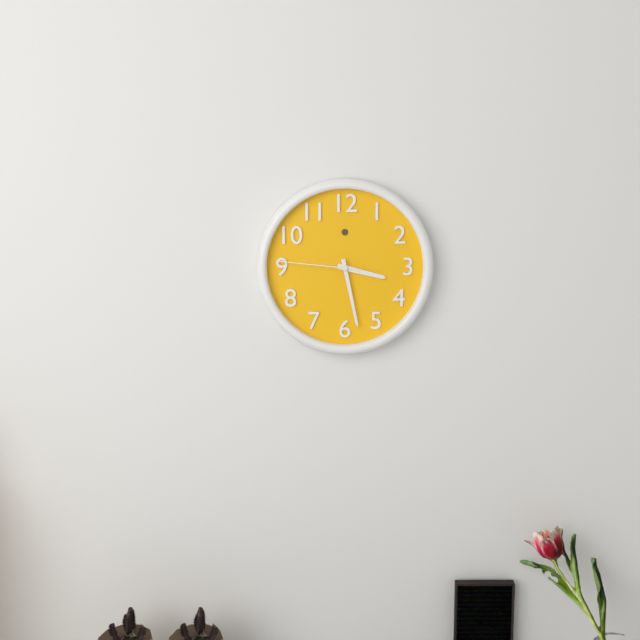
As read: 3h28m46s
